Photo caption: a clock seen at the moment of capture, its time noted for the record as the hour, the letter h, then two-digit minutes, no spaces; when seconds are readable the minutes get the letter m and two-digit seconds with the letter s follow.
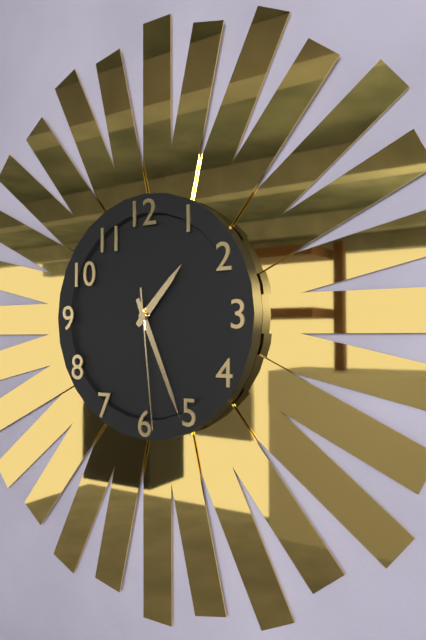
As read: 1h26m29s
